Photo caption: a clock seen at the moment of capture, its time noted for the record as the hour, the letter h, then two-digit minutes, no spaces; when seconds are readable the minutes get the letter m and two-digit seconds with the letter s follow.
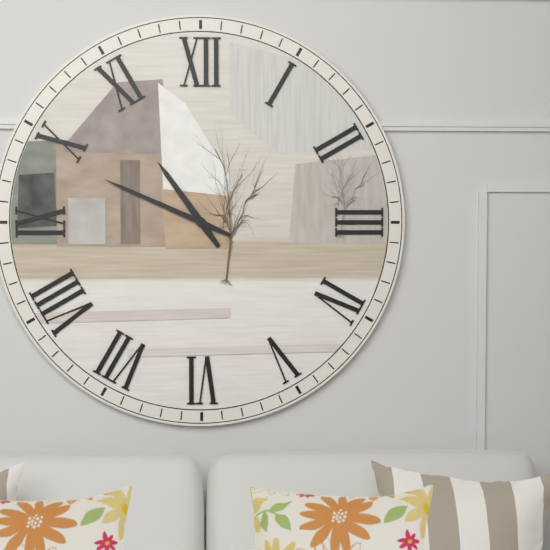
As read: 10h49
